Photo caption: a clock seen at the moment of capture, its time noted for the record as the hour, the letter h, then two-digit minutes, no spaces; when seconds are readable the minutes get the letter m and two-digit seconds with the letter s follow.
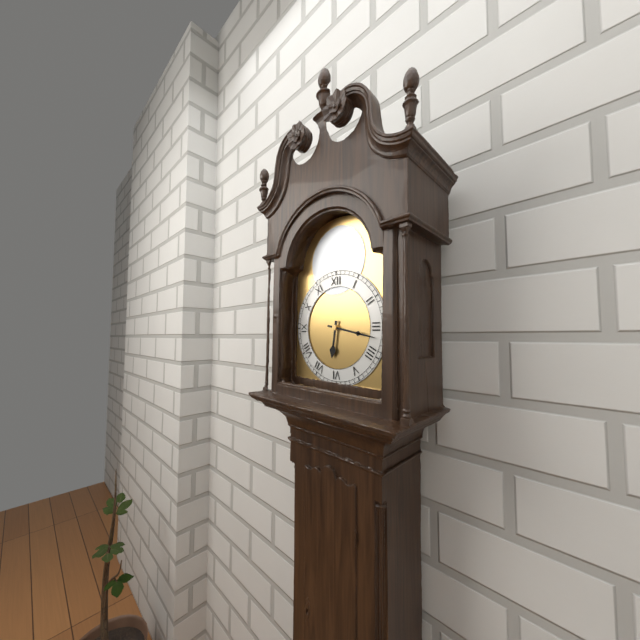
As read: 6h17
